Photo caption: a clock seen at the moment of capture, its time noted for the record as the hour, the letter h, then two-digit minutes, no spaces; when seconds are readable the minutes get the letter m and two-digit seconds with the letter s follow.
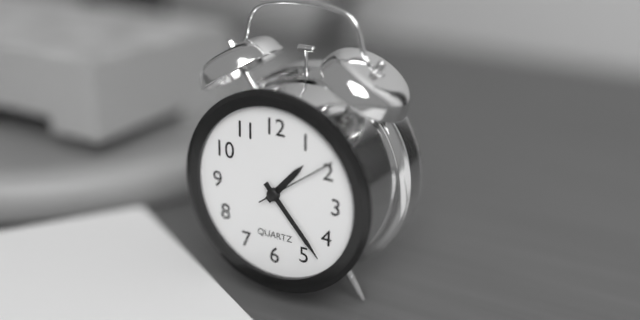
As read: 1h23m09s
